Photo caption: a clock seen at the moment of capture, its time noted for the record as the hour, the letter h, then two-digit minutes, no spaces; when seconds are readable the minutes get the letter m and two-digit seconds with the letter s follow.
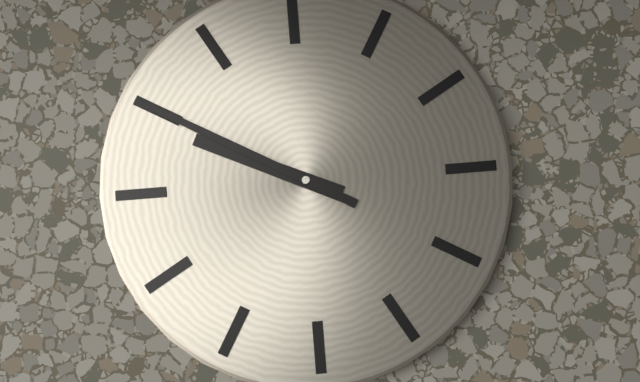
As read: 9h50
